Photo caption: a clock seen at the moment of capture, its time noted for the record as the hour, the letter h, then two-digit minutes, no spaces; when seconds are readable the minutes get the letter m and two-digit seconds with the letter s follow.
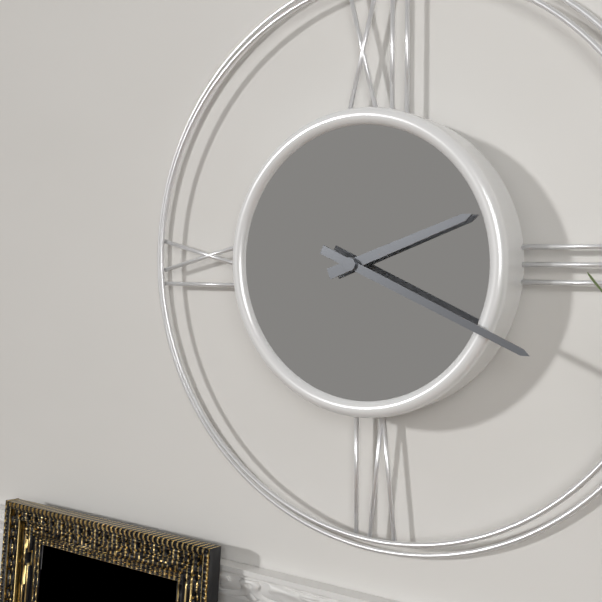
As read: 2h19
